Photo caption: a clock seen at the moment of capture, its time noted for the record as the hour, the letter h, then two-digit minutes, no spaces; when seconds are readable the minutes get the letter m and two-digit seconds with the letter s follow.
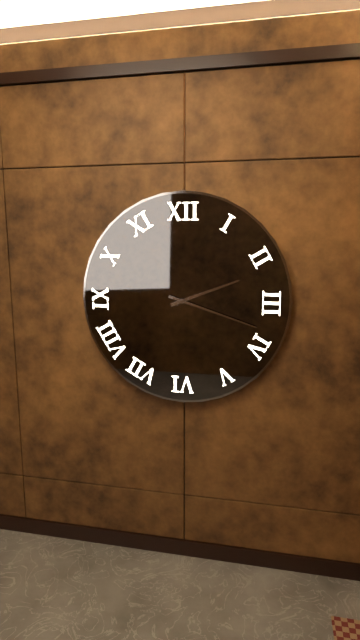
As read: 2h18
